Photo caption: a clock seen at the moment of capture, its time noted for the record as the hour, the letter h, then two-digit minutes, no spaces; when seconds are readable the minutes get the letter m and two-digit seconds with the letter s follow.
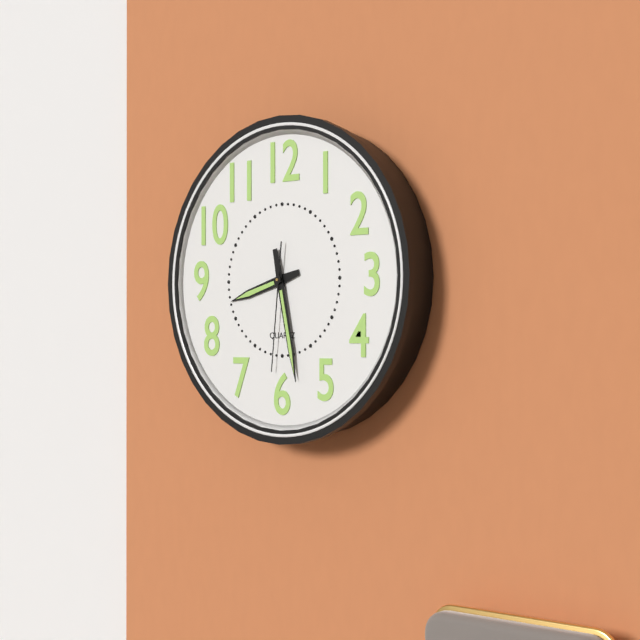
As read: 8h28m31s
